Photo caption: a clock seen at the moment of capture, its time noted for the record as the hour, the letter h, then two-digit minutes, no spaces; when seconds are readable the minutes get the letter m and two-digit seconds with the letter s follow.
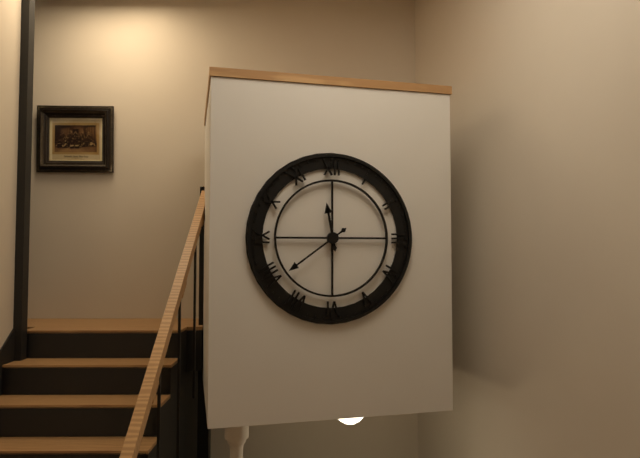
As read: 11h39
